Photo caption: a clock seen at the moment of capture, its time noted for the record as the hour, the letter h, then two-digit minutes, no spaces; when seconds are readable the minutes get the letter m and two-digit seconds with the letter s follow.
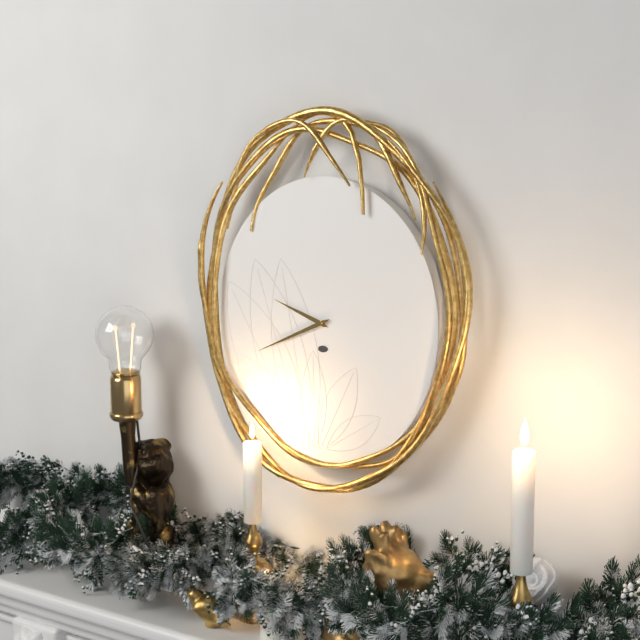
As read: 9h41
